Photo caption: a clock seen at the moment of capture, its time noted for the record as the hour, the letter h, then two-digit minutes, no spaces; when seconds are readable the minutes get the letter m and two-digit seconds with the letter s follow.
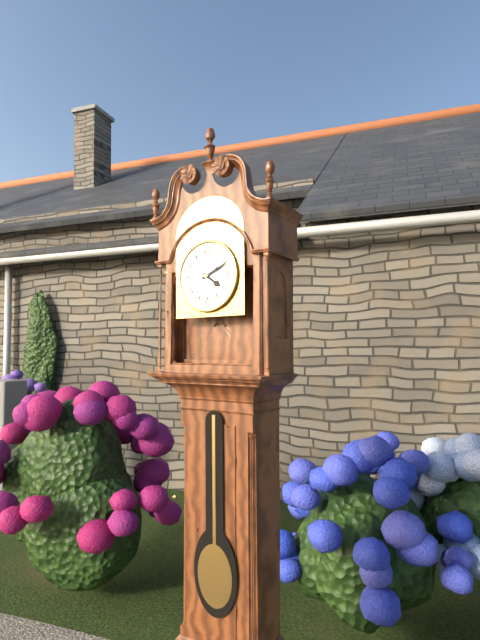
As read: 4h11
